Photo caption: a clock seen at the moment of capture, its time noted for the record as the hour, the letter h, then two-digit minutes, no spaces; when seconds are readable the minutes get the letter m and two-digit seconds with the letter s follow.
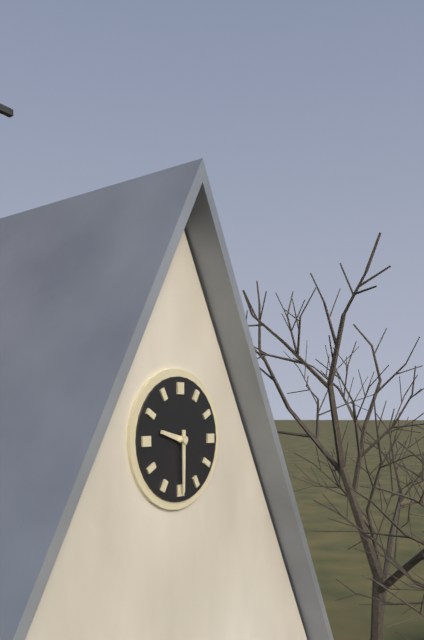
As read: 9h30
